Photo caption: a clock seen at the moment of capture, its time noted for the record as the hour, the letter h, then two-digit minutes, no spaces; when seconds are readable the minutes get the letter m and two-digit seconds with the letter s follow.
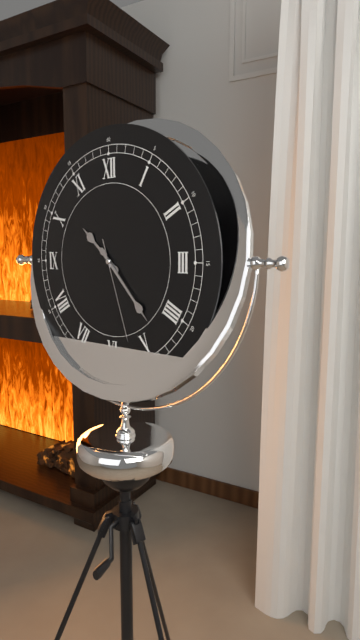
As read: 10h23m27s
